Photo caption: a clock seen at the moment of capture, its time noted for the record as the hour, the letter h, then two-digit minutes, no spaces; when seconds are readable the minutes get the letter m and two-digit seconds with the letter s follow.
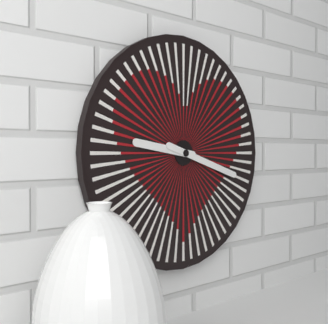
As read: 9h18
